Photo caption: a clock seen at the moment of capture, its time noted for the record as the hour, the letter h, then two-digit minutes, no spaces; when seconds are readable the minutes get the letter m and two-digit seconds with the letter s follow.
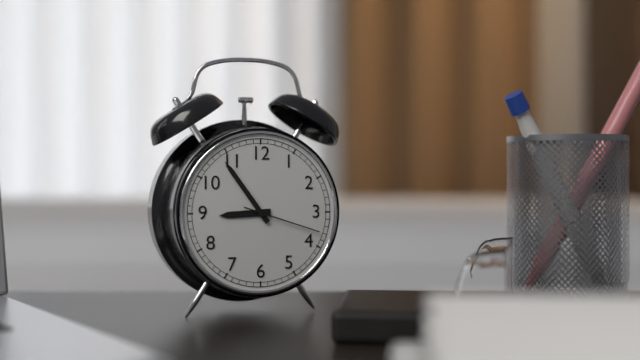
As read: 8h54m18s
